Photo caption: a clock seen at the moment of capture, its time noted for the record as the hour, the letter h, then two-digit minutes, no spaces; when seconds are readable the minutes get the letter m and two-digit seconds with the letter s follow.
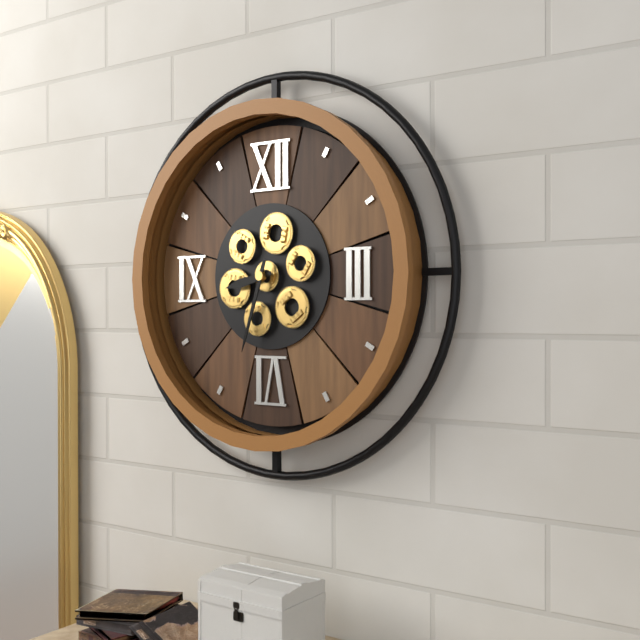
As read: 8h33
